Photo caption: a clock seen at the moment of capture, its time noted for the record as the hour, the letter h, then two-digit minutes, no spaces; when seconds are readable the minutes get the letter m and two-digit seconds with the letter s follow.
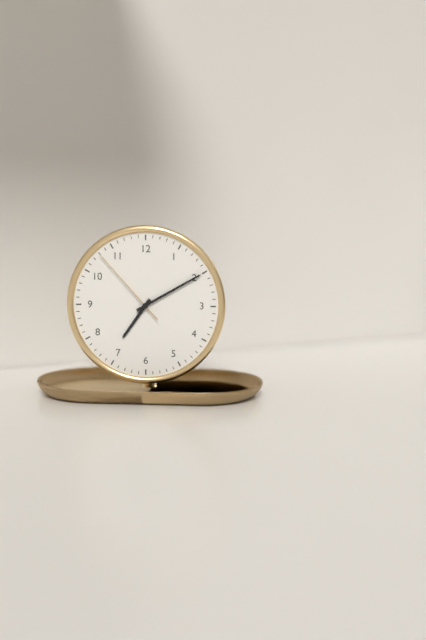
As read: 7h10m53s
